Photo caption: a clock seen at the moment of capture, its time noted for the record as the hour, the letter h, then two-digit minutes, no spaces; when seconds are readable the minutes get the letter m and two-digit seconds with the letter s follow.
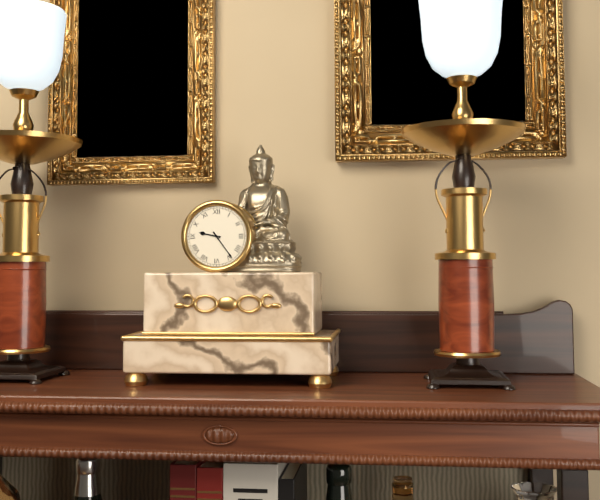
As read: 9h24
